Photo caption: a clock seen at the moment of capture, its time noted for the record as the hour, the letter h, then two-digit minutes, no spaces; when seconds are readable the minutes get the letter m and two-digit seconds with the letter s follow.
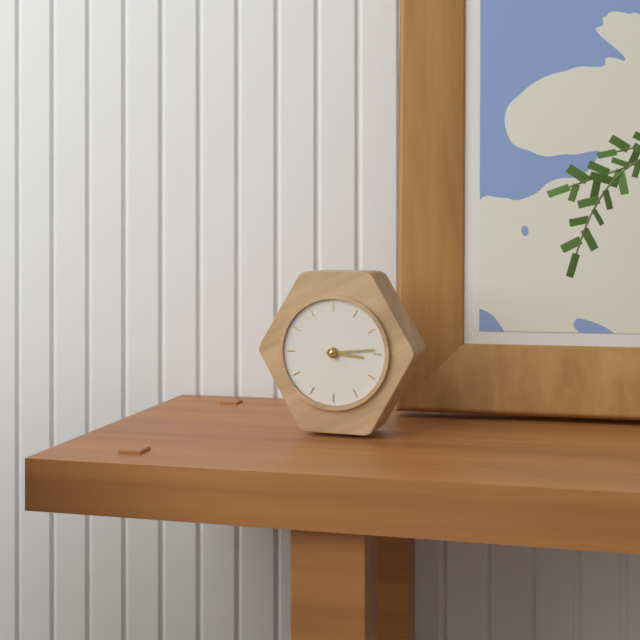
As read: 3h14
